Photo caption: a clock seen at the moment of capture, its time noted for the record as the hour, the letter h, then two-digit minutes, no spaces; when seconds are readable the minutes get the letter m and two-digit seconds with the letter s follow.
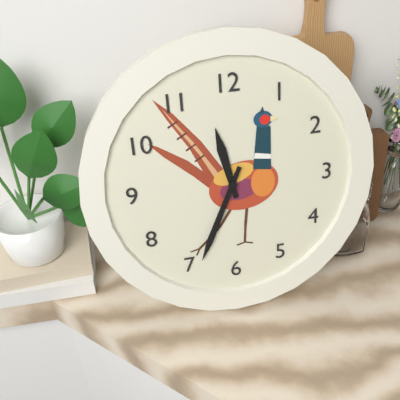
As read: 11h34
